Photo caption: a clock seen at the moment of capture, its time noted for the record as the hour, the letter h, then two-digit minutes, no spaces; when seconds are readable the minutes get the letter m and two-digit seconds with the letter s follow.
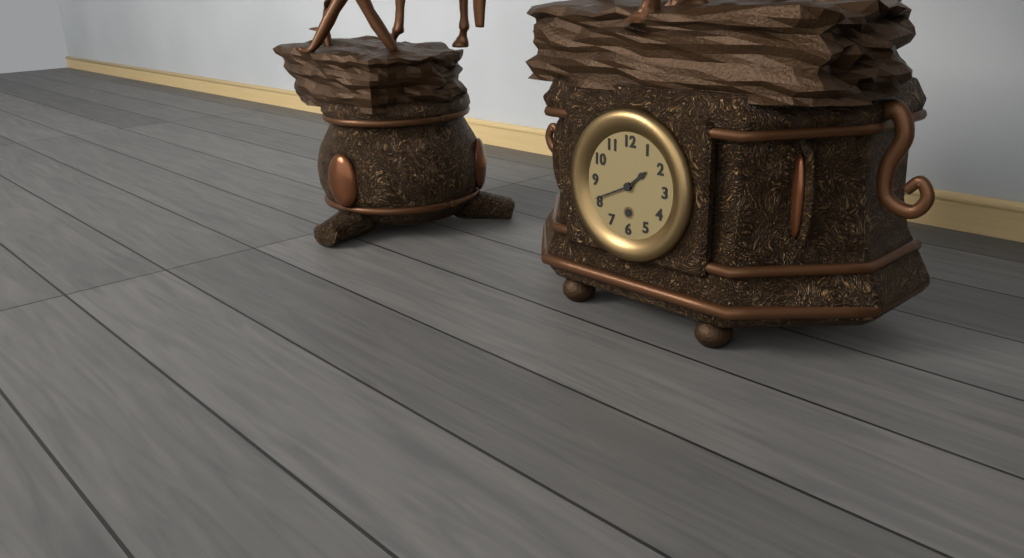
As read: 1h41
